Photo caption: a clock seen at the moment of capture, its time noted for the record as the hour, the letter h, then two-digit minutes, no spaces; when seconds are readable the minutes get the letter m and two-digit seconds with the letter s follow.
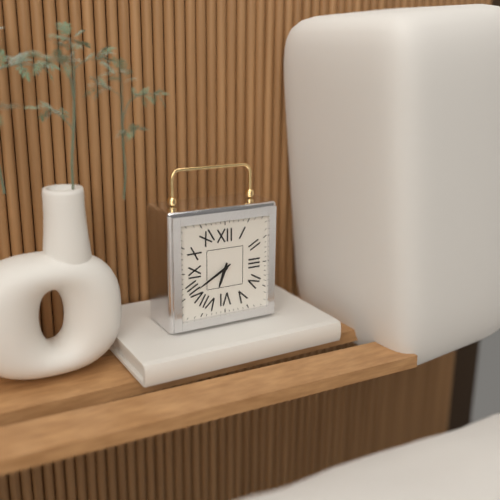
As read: 6h40
